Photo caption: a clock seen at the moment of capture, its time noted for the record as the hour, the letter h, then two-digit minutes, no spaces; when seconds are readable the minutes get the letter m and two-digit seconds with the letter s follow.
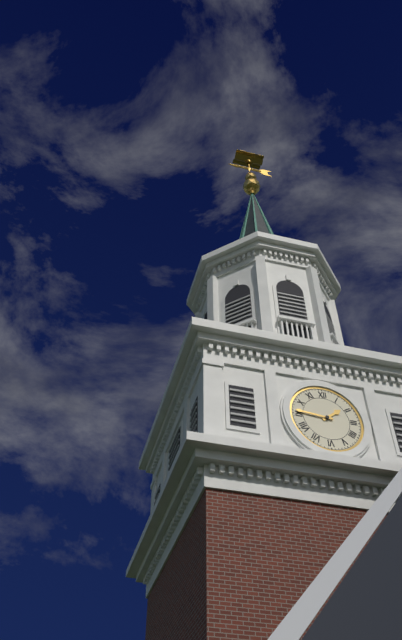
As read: 1h46
